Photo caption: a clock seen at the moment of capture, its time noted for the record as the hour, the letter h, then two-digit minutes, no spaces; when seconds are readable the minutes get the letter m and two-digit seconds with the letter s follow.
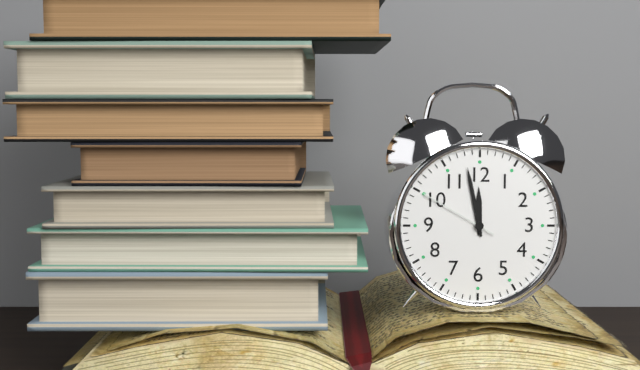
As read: 11h58m50s
